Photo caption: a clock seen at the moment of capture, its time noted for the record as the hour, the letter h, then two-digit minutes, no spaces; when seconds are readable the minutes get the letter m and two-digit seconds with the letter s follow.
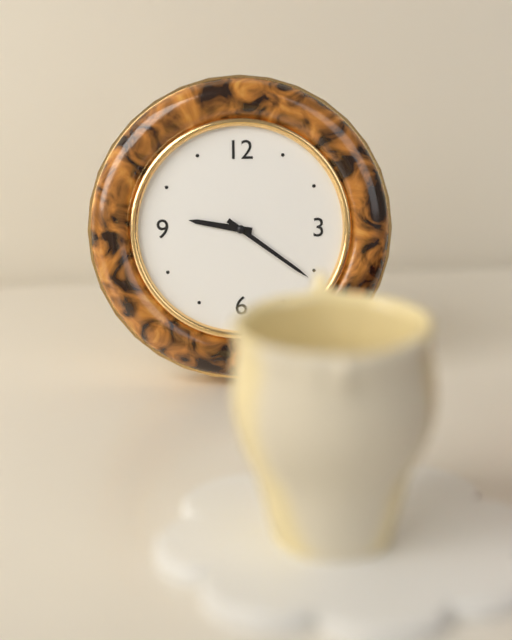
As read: 9h21
